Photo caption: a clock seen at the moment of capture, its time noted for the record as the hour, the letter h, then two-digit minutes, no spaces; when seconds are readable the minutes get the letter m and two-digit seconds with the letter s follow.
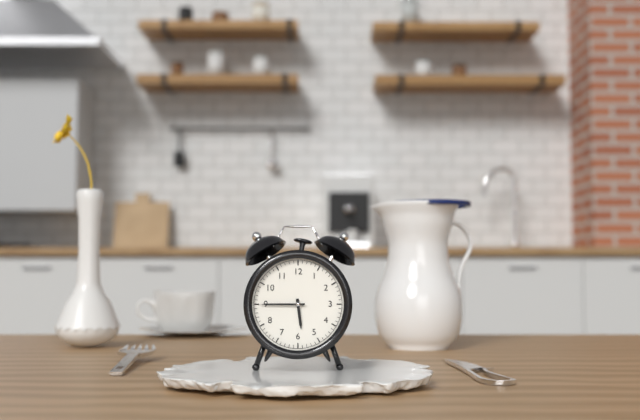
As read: 5h45
